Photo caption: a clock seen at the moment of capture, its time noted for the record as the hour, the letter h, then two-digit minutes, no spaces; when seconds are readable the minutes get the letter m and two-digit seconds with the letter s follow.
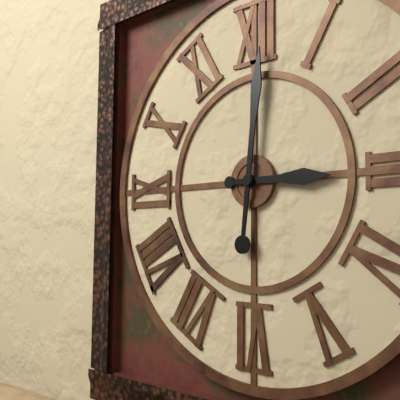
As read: 3h01
